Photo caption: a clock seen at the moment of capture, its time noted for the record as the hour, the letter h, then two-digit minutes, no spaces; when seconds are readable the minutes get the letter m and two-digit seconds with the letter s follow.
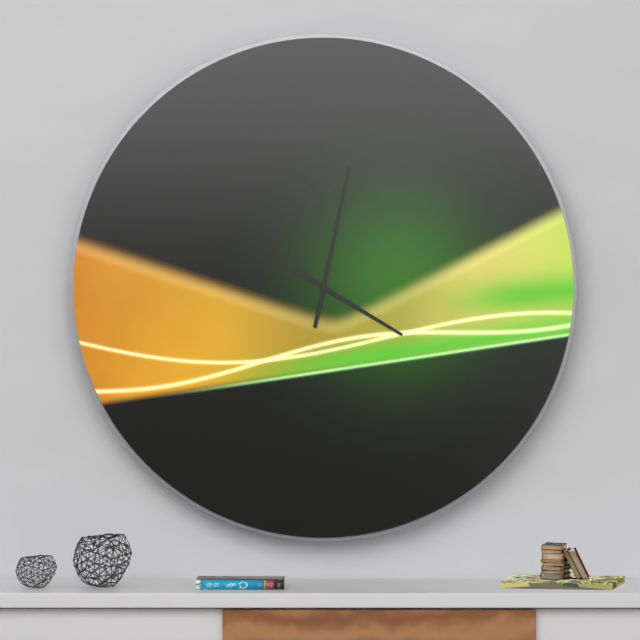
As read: 4h02
